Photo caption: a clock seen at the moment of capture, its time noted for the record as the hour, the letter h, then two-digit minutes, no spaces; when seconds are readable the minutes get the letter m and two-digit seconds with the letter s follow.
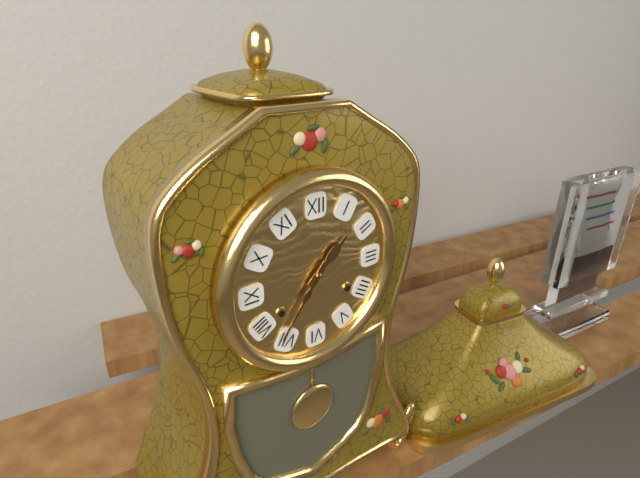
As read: 1h36
